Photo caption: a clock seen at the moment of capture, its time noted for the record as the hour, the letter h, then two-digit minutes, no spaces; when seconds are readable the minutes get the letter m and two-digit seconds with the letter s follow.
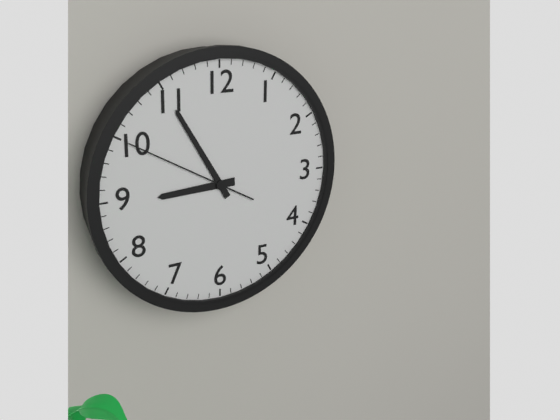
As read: 8h55m50s
